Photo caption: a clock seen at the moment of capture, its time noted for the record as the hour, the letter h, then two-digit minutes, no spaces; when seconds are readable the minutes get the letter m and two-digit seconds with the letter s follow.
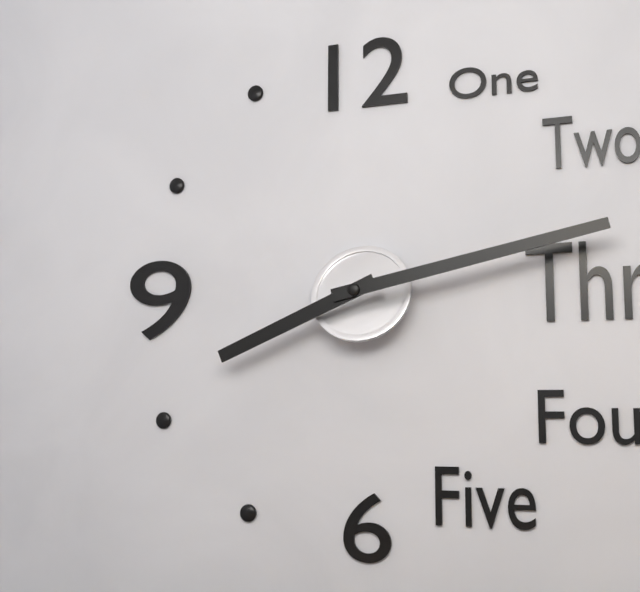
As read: 8h13
